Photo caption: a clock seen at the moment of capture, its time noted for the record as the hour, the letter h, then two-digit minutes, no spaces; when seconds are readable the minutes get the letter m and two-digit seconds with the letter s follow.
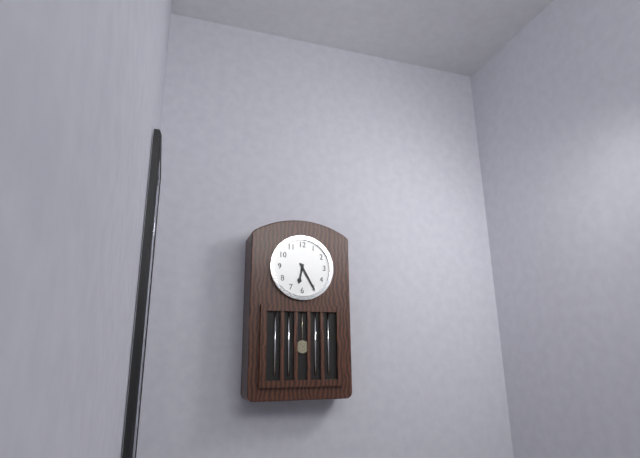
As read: 6h25
